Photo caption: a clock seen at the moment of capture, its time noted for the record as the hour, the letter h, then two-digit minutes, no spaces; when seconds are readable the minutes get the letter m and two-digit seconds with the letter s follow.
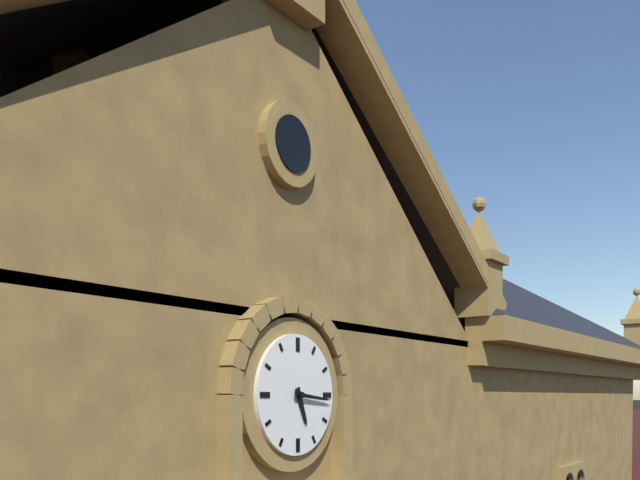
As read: 5h16
